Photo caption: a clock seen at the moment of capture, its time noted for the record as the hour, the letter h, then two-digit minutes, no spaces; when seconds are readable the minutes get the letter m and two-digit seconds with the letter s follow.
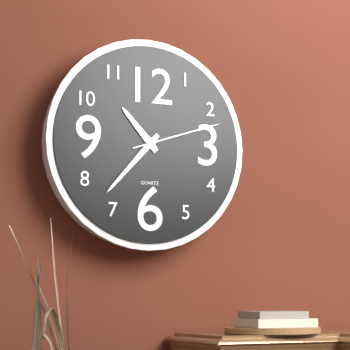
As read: 10h37m12s
